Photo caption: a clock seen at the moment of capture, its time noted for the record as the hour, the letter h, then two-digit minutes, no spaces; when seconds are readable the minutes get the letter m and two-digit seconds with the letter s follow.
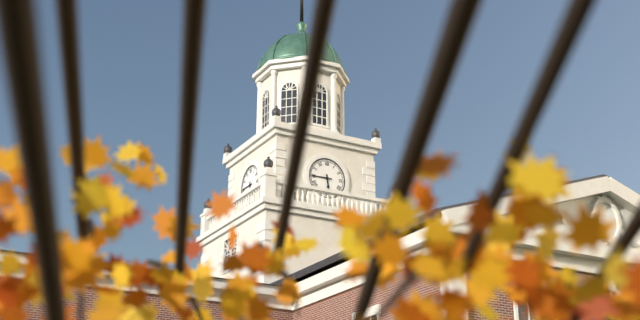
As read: 5h45
